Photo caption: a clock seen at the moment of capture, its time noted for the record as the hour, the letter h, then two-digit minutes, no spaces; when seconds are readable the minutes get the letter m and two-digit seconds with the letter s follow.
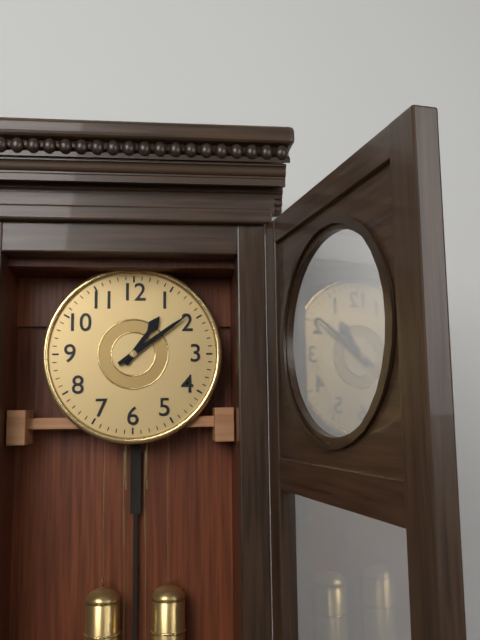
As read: 1h09
